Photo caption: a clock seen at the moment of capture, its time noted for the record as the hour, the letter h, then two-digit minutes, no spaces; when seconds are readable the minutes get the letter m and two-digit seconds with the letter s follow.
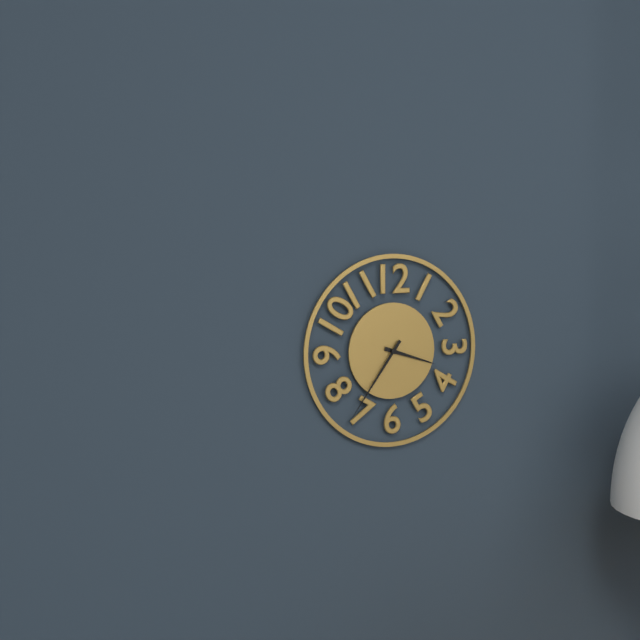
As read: 3h36
